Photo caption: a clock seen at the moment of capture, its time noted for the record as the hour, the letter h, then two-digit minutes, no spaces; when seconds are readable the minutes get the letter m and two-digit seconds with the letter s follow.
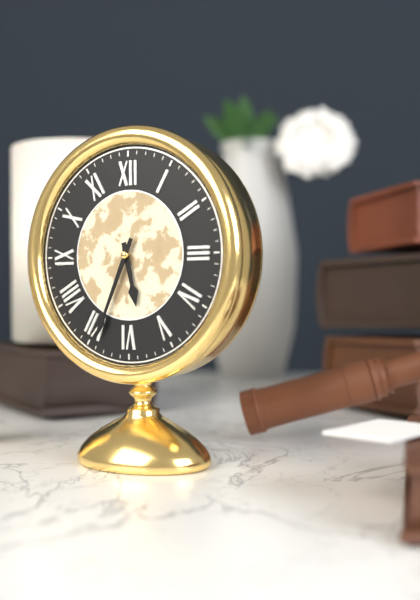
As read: 5h34
